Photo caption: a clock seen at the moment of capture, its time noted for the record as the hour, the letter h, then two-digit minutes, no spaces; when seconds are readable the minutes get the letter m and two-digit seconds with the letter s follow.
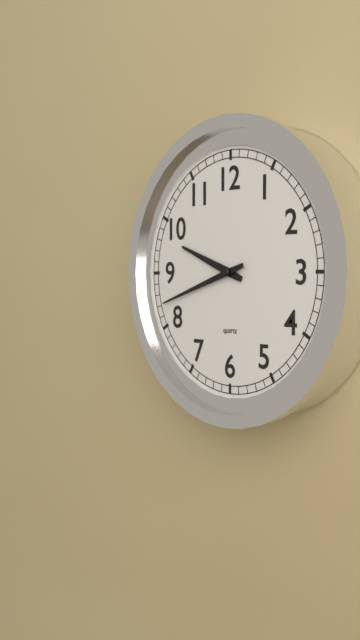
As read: 9h42
